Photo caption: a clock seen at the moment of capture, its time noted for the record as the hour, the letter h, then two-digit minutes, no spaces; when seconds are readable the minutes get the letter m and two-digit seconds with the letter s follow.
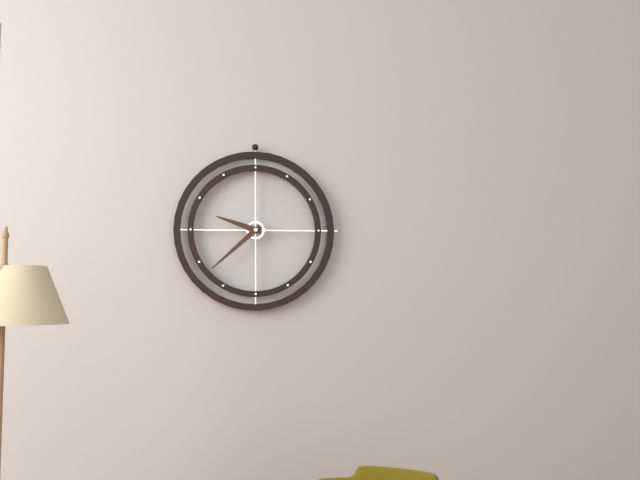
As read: 9h38
